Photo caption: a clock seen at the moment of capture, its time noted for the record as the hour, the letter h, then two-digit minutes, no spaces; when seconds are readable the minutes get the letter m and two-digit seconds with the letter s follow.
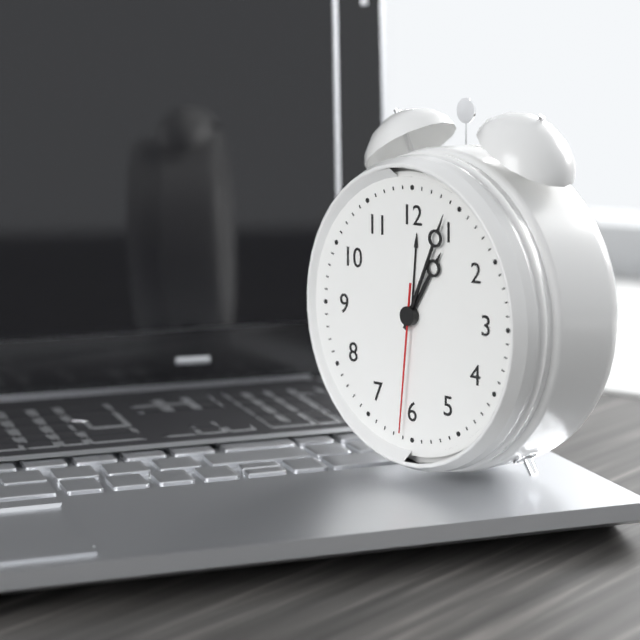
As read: 1h04m31s
